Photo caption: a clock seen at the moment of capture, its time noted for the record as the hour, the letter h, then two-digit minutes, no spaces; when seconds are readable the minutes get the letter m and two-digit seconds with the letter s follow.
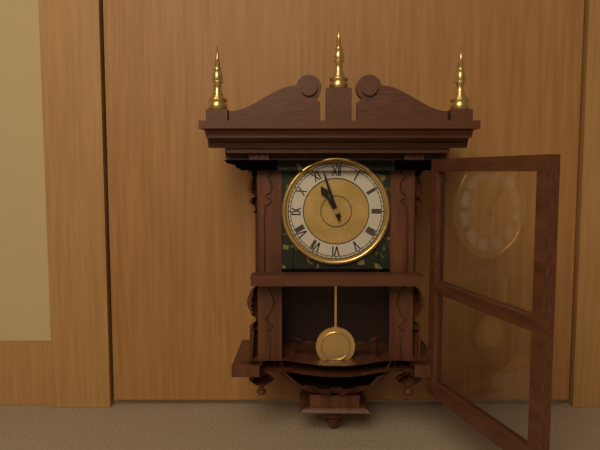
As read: 10h57
